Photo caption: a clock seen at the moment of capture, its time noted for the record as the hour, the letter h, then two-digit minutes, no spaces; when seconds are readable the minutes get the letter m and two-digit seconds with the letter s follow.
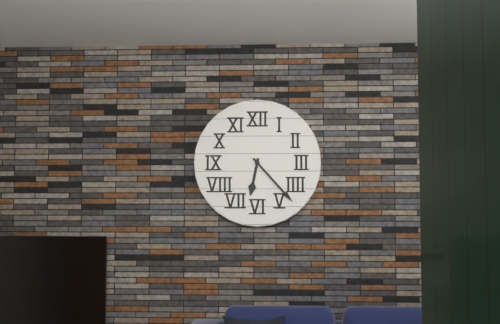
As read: 6h23
